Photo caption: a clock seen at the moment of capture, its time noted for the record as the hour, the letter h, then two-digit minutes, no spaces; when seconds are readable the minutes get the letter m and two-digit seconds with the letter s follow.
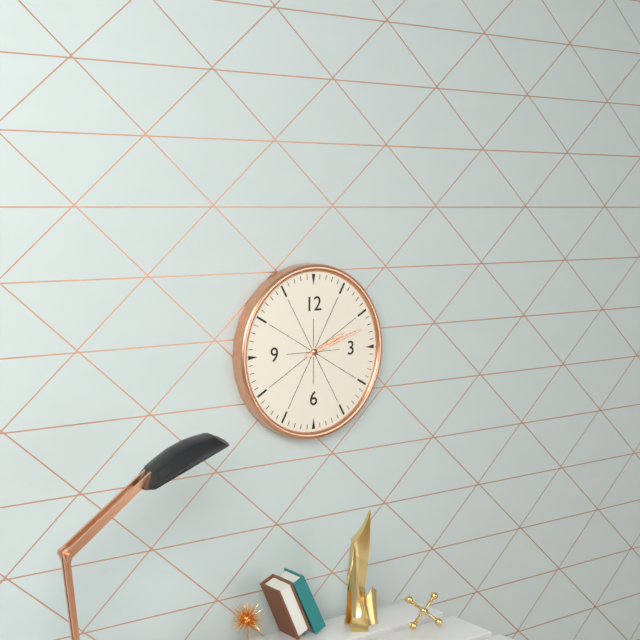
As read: 2h12
